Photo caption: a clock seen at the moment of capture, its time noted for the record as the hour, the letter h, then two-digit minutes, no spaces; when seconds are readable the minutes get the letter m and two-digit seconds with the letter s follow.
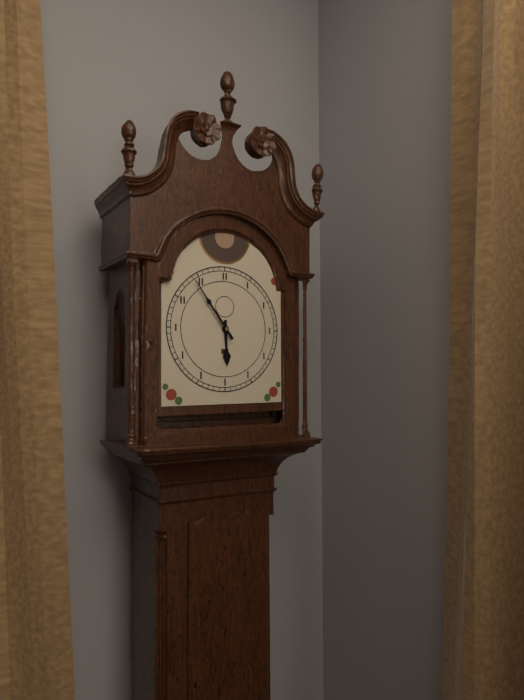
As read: 5h54
